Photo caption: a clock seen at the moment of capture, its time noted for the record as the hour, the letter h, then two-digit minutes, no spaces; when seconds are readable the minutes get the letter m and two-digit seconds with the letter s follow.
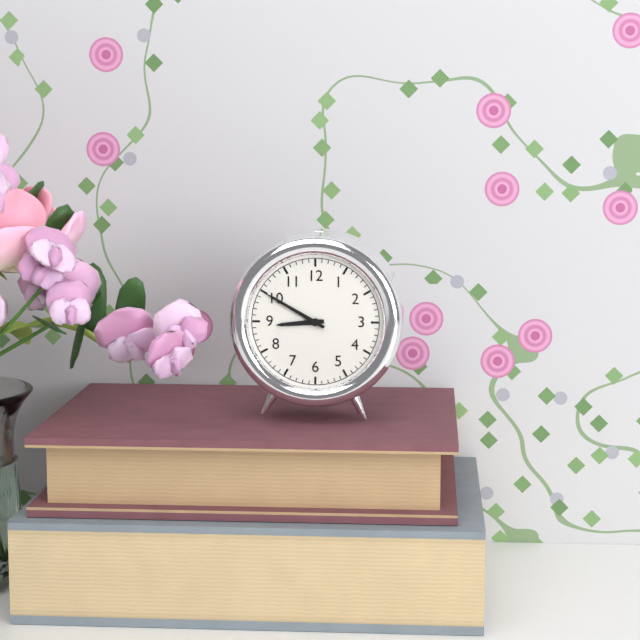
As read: 8h50
